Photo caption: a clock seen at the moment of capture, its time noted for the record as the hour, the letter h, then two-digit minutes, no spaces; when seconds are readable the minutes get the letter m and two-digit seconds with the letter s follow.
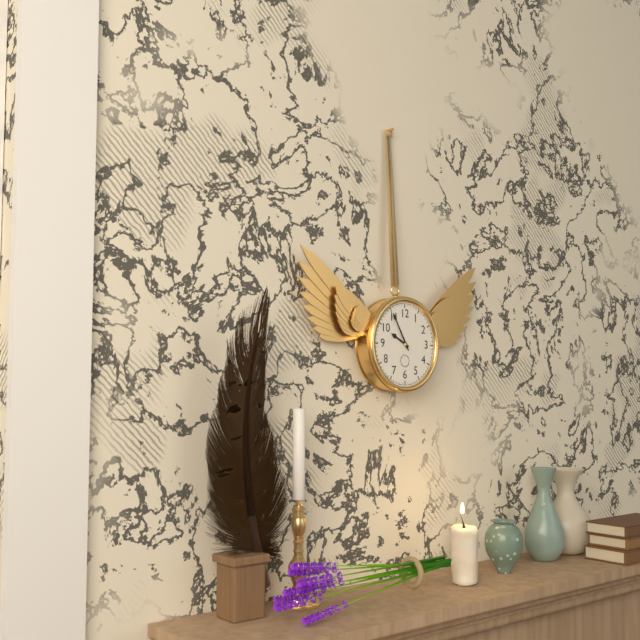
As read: 9h55
